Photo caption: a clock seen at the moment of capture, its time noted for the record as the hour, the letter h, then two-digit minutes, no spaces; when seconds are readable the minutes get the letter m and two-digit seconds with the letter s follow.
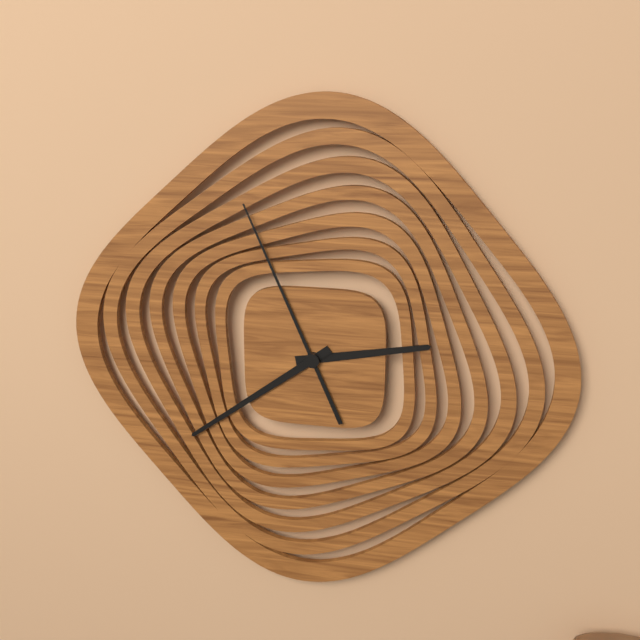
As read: 2h39m56s
